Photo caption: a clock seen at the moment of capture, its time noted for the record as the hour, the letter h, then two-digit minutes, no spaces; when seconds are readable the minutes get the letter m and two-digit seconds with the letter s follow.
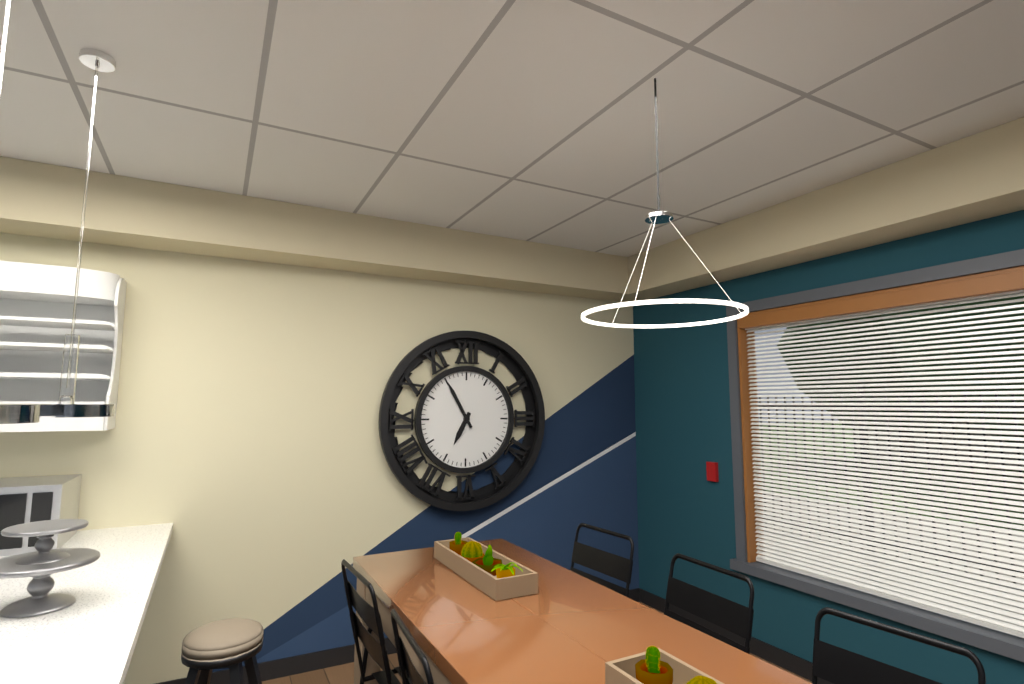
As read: 6h55
